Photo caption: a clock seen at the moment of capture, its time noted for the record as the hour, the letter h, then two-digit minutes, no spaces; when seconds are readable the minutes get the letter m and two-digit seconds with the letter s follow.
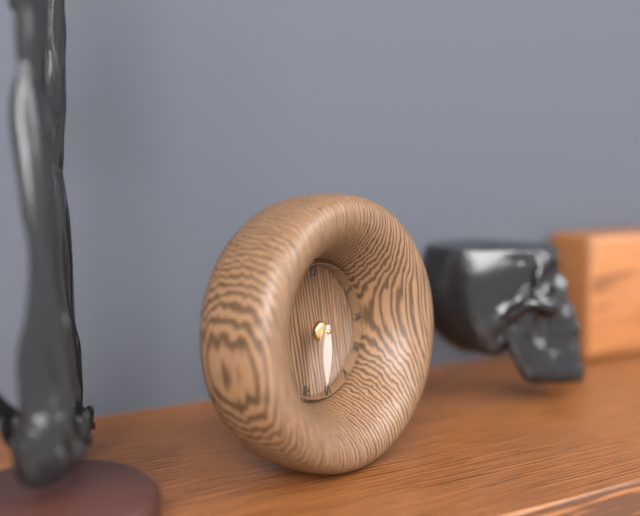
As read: 6h32
